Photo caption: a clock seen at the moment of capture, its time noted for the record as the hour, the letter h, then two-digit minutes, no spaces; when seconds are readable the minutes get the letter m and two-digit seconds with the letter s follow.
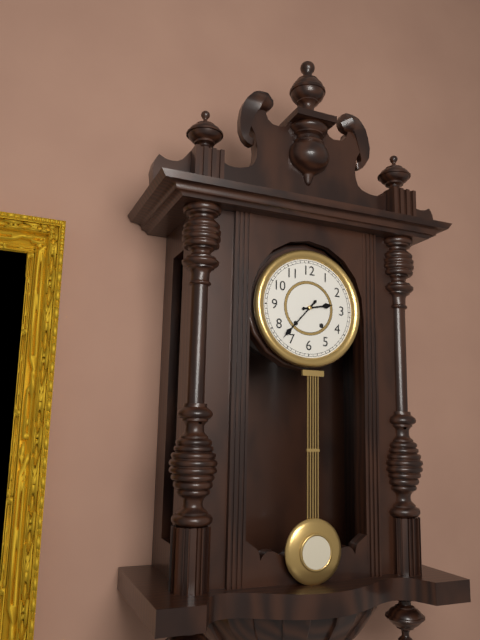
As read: 2h37
